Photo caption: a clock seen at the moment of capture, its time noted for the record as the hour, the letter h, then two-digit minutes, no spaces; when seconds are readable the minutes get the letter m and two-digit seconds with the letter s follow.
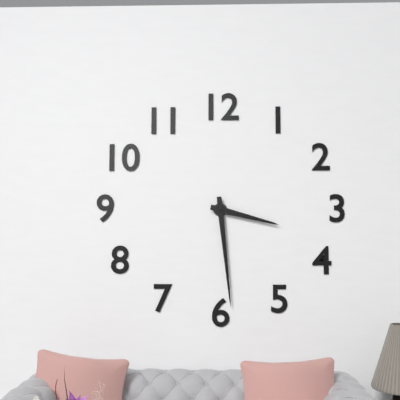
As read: 3h29
